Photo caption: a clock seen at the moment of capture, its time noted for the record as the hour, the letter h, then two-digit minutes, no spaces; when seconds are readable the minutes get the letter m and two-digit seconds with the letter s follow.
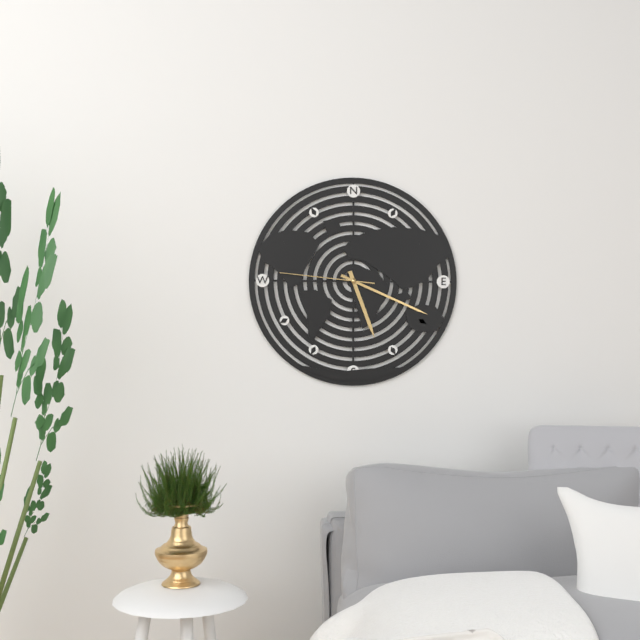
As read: 5h19m46s
